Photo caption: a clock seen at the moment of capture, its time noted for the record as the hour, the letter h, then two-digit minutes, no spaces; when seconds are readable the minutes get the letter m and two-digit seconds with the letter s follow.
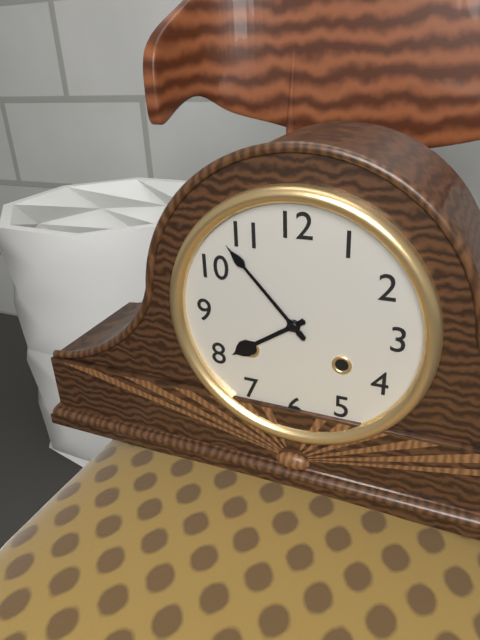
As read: 7h53
